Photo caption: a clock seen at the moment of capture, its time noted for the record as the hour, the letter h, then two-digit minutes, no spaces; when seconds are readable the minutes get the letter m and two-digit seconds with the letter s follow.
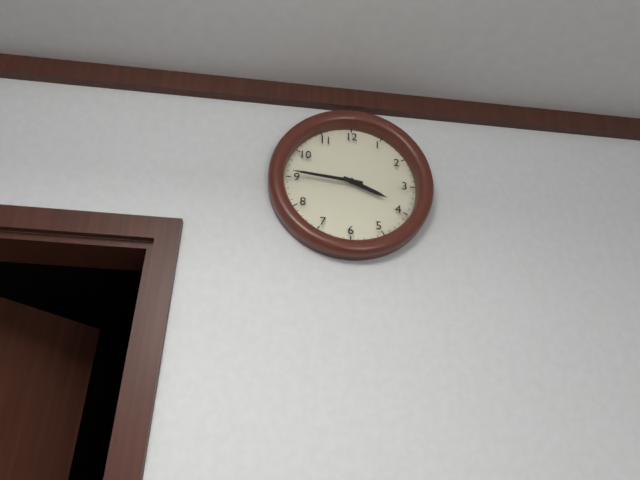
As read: 3h46
